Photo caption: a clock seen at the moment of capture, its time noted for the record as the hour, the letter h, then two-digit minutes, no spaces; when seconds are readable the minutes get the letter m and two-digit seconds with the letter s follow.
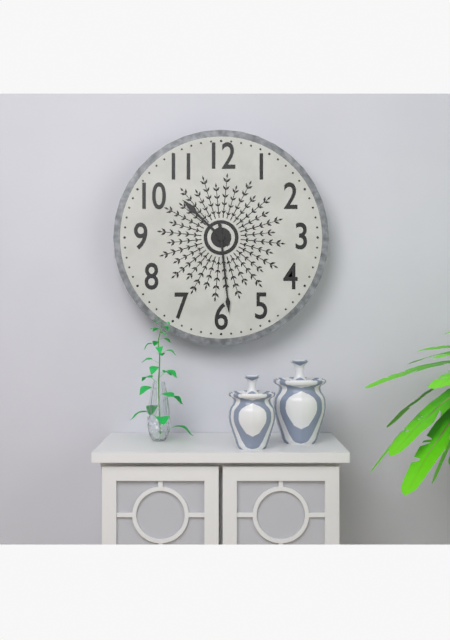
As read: 10h29
